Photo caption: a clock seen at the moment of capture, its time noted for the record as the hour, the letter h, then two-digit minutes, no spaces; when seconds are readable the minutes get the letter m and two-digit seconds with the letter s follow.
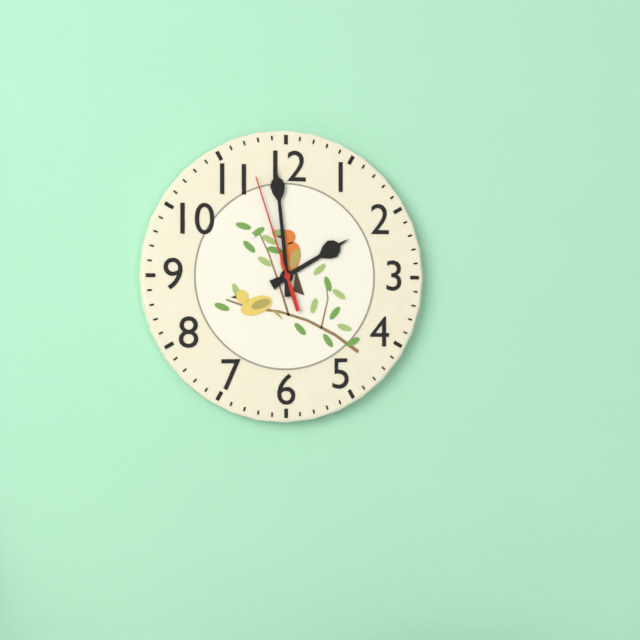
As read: 1h59m57s
